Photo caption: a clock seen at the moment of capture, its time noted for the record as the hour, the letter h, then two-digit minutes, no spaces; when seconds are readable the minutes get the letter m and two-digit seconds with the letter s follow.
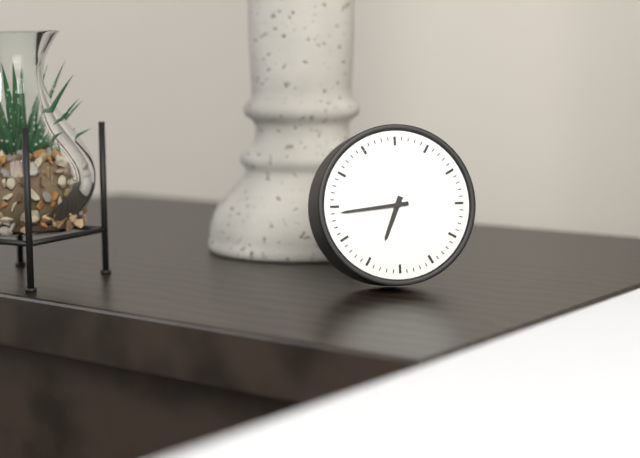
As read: 6h44
